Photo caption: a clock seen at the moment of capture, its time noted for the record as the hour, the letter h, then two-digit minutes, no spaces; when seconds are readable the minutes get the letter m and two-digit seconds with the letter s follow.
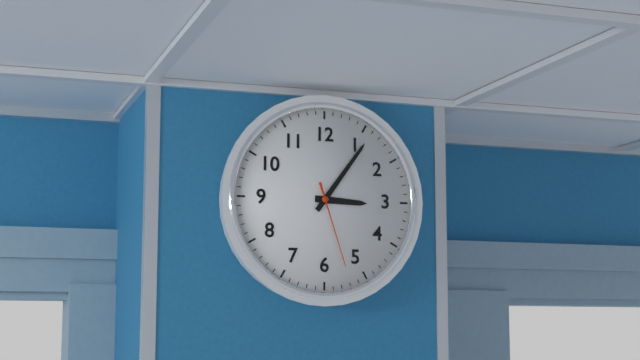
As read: 3h06m27s
